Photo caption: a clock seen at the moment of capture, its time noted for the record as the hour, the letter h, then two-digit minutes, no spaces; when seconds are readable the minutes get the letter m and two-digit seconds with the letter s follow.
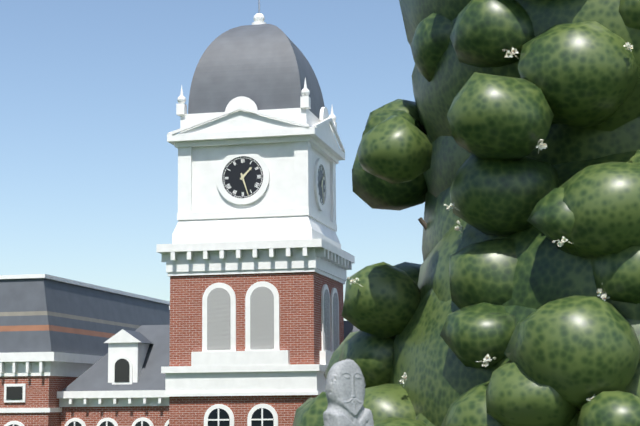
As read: 1h27
